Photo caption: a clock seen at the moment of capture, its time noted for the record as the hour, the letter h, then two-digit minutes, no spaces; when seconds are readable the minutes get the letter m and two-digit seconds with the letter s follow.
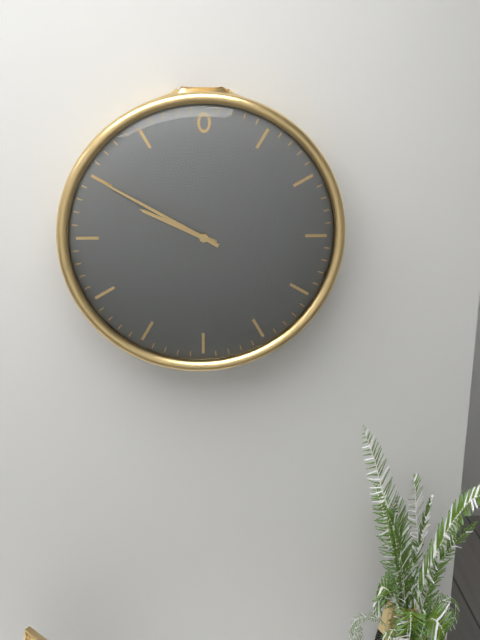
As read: 9h50
